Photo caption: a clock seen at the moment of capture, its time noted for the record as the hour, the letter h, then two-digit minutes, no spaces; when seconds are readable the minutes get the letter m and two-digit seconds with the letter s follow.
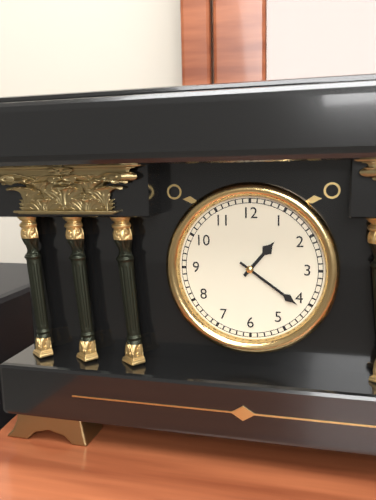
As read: 1h21
